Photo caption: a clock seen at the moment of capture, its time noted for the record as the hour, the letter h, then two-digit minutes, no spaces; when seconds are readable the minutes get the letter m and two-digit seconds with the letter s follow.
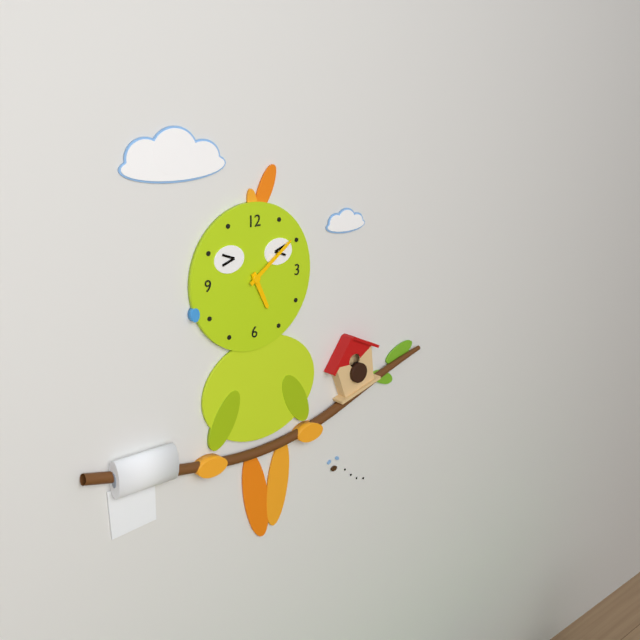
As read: 5h09
